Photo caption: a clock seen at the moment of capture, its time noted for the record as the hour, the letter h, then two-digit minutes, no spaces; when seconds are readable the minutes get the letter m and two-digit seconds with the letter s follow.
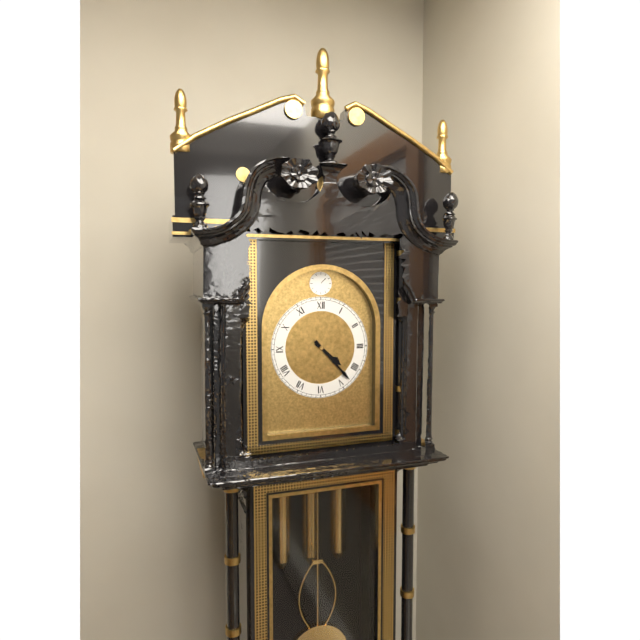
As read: 4h23
